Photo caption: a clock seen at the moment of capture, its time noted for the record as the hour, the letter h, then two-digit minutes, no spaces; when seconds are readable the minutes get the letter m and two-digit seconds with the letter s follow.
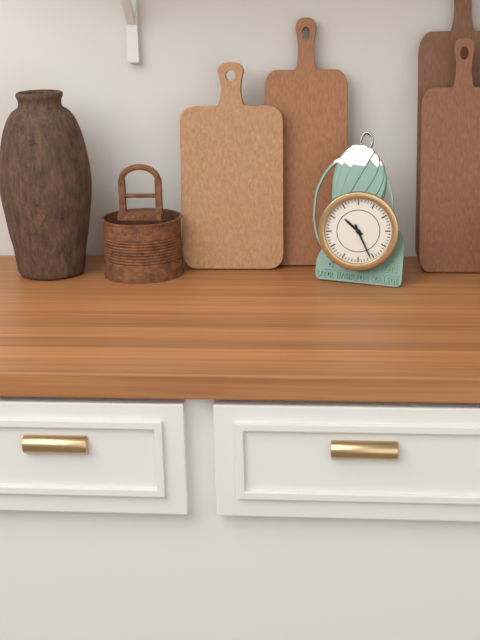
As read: 10h26
